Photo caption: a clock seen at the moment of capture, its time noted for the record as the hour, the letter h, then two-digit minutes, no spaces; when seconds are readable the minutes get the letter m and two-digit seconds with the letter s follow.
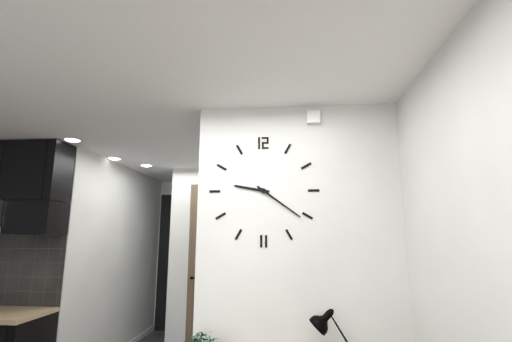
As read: 9h21
